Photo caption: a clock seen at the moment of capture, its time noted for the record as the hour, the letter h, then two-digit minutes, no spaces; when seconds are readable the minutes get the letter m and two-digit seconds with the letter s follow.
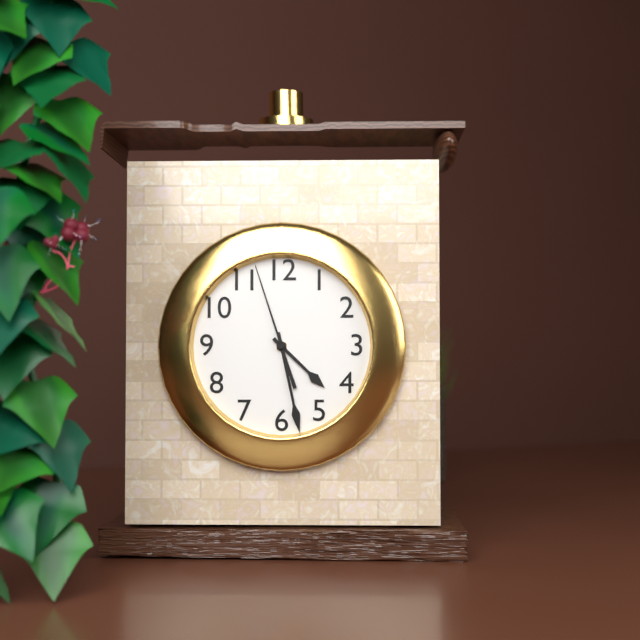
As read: 4h28m57s
